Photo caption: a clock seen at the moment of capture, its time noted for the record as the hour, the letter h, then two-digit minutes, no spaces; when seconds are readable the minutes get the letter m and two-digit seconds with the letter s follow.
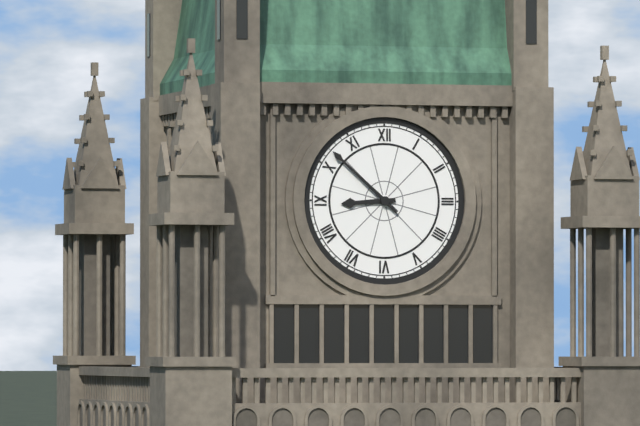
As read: 8h52
